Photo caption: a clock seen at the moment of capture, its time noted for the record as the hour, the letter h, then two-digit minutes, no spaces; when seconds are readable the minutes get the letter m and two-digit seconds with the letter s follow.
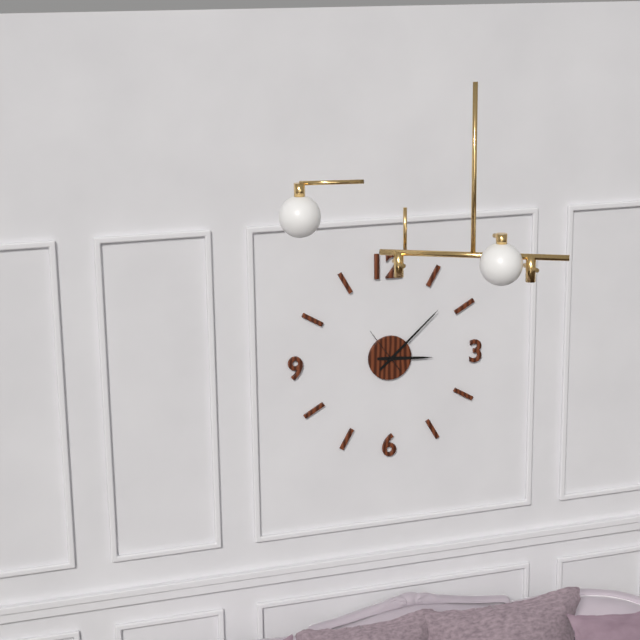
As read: 3h08
